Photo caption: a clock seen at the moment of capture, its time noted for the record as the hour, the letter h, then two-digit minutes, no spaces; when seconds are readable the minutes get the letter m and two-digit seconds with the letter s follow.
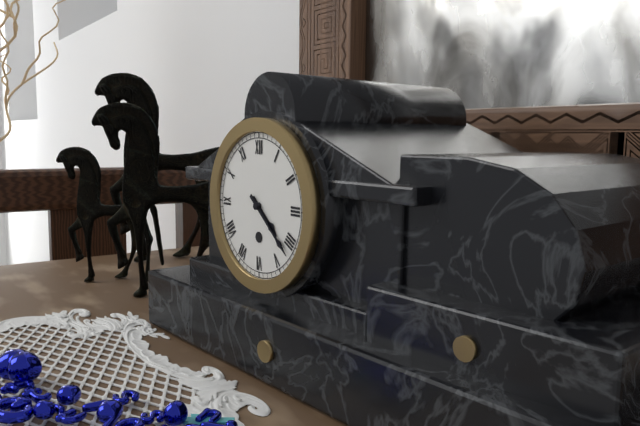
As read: 4h22
